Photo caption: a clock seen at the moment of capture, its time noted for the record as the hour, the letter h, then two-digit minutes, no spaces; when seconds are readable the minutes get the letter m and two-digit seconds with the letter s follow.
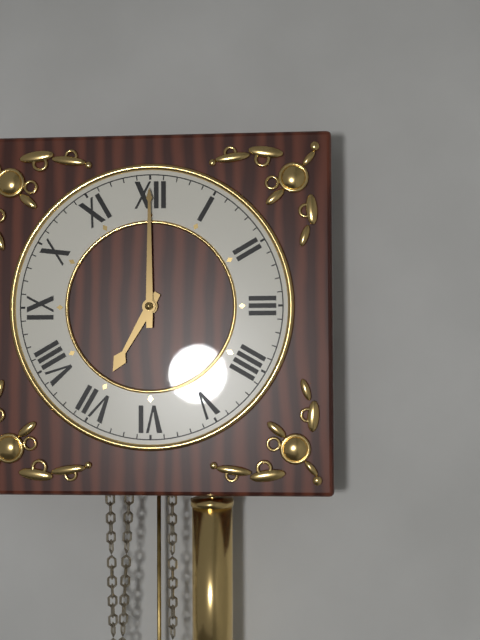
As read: 7h00
